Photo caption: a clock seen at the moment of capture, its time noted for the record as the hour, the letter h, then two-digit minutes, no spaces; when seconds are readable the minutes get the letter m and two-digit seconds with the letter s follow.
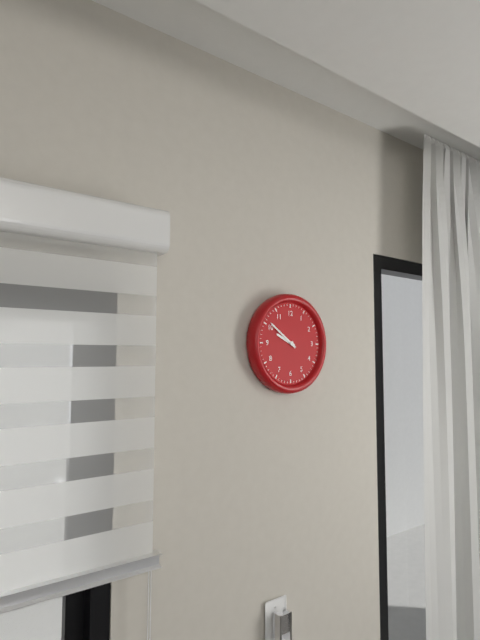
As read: 9h51
